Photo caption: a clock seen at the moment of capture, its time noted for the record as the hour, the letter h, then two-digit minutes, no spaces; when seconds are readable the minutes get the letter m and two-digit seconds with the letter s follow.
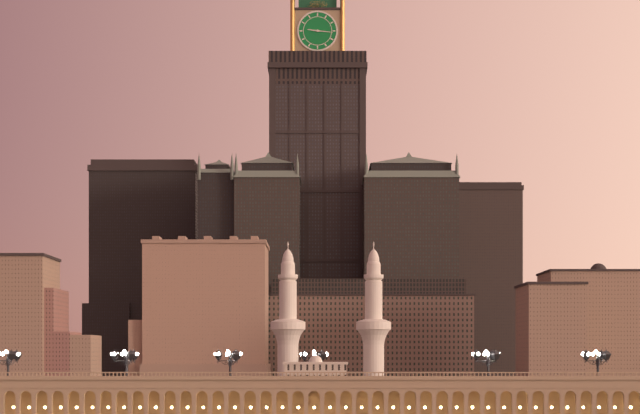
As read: 9h16
